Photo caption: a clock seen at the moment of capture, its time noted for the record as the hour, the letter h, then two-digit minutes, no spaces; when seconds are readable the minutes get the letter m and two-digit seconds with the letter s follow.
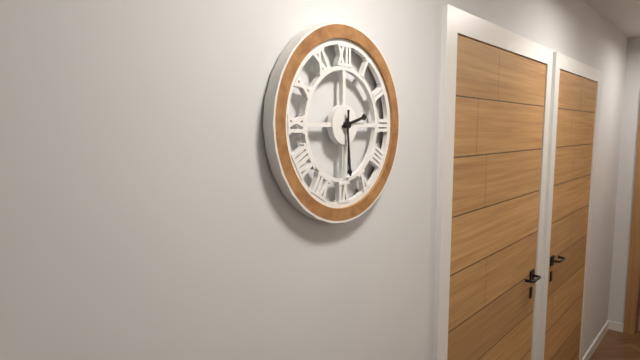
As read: 2h29m30s
